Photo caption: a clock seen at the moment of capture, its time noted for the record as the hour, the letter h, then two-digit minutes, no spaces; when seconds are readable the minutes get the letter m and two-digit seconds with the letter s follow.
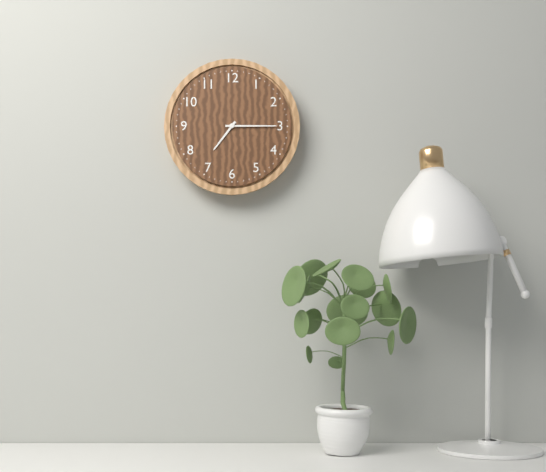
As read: 7h15
